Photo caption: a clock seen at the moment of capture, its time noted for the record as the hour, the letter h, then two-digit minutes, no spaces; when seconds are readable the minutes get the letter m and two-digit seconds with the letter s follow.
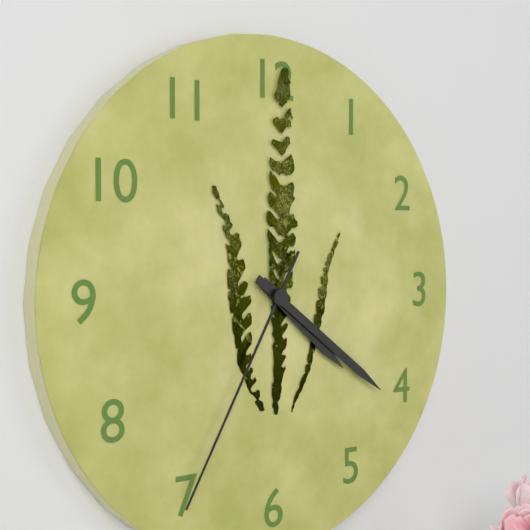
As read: 4h21m35s
